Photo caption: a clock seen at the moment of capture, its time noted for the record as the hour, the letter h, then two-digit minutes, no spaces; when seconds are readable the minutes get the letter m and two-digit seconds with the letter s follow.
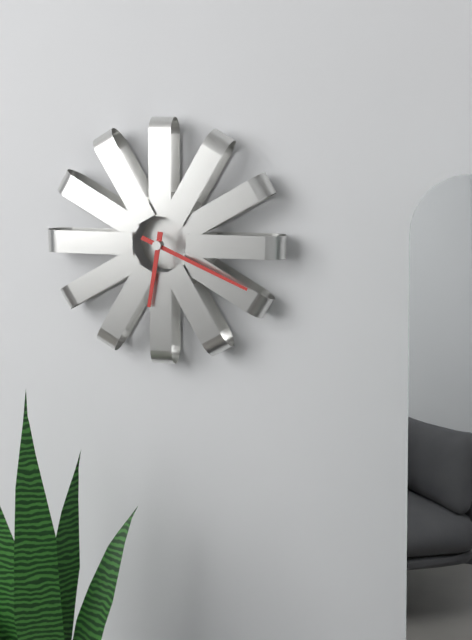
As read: 6h19
